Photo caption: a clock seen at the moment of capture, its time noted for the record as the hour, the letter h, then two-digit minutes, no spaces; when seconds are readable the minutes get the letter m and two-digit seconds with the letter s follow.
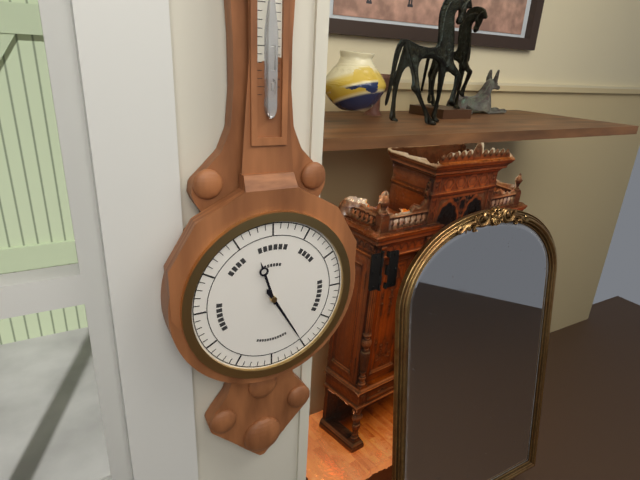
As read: 11h25
